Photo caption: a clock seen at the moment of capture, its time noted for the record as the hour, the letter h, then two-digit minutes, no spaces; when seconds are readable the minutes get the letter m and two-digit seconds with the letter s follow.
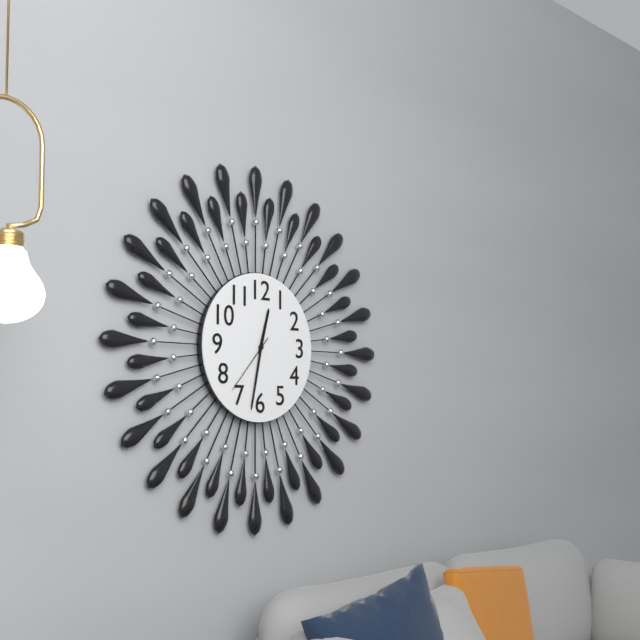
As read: 12h32m37s
